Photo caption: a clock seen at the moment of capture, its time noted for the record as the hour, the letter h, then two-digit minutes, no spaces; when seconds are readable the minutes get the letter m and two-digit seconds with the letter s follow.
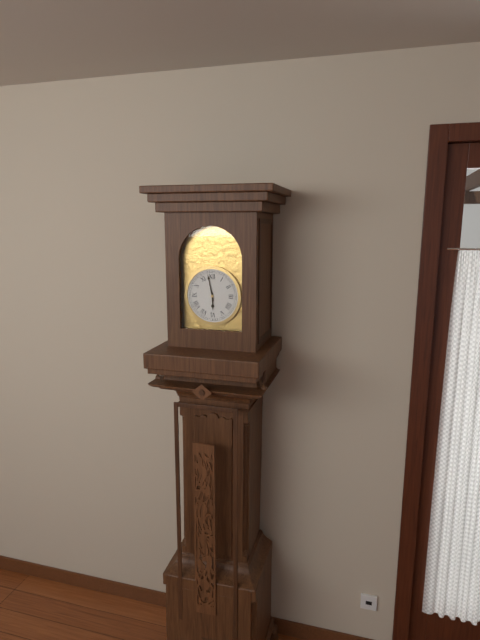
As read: 5h58
